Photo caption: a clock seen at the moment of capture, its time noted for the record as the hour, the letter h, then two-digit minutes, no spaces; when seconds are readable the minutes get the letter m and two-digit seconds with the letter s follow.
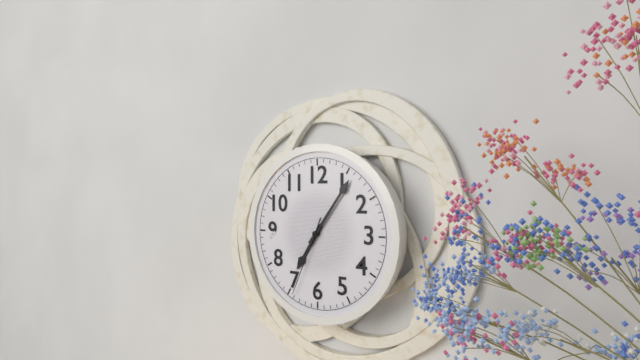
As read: 7h06m34s
